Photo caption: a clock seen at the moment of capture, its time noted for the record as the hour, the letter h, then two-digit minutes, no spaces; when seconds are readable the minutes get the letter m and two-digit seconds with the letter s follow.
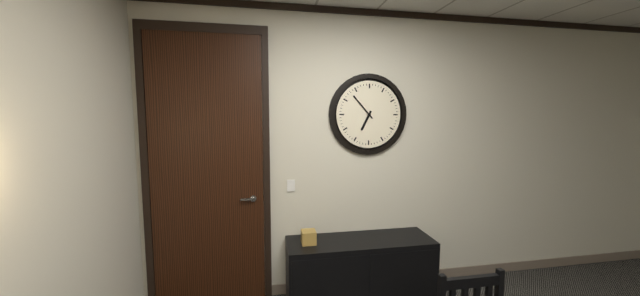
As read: 6h53
